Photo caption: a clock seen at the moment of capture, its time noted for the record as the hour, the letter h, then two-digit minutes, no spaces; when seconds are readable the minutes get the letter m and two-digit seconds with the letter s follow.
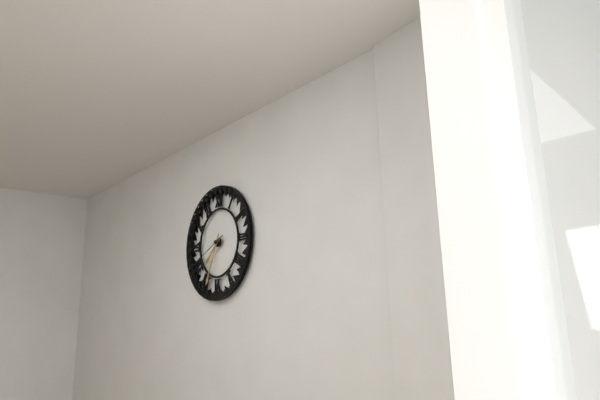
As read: 7h34
